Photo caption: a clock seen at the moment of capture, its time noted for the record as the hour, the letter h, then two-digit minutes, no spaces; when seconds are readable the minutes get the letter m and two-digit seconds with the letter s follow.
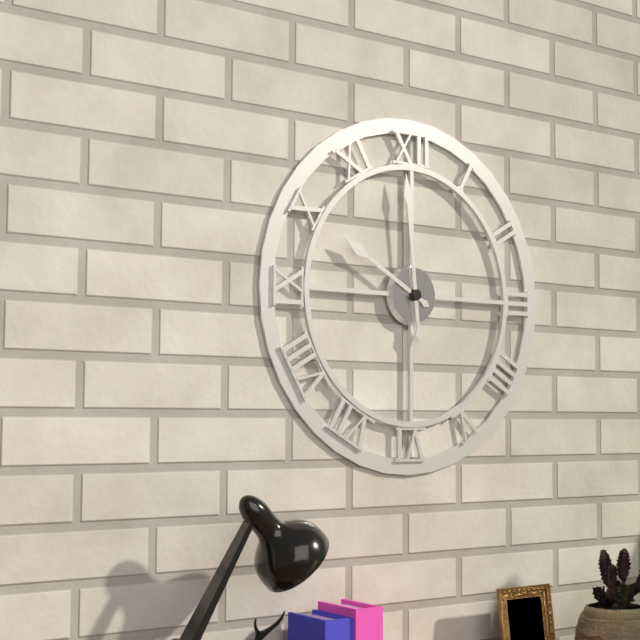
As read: 9h59
